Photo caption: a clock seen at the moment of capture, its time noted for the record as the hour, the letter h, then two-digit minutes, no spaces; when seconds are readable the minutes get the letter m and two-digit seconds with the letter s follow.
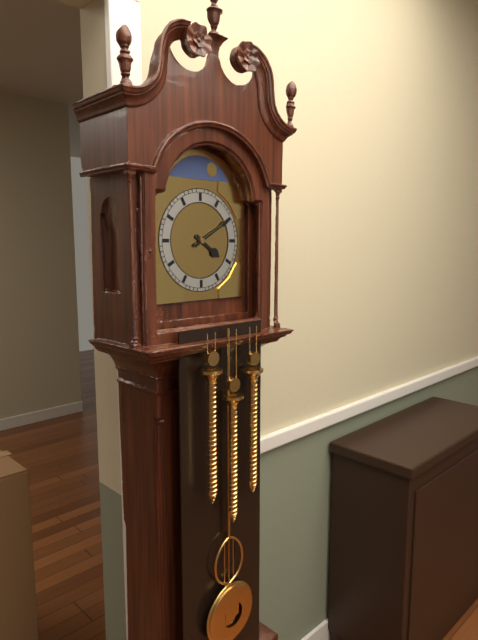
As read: 4h10
